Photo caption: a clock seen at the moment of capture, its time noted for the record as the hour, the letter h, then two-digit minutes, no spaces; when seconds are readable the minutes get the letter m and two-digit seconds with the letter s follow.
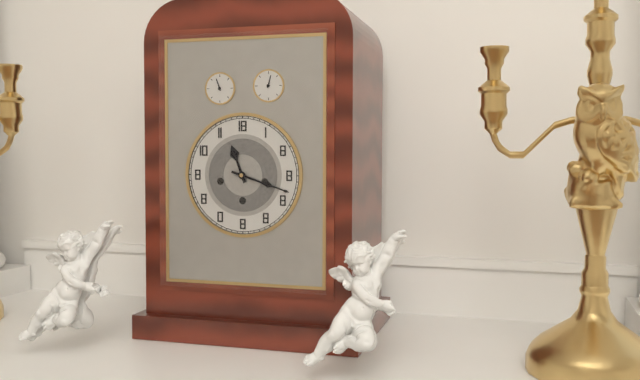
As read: 11h18
